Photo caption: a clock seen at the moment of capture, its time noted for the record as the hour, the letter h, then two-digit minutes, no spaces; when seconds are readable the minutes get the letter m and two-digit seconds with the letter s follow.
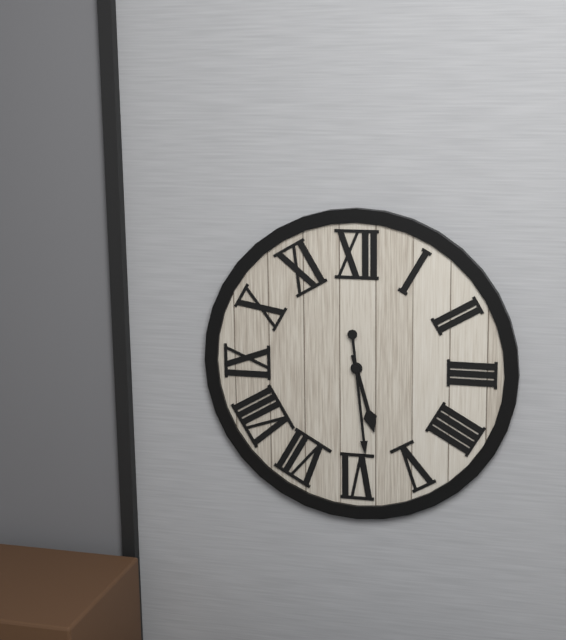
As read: 5h29
